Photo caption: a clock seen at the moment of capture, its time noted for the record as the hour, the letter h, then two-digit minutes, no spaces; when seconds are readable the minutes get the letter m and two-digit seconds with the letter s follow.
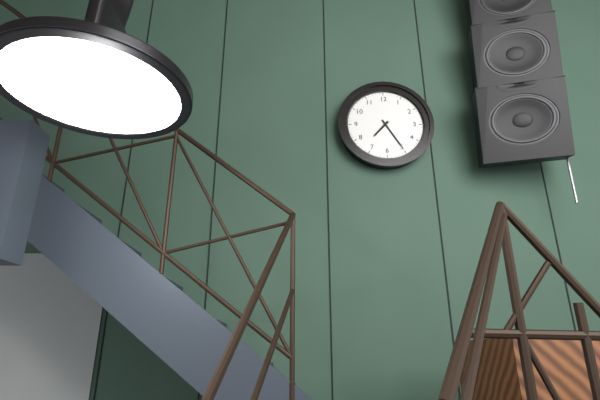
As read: 7h25
